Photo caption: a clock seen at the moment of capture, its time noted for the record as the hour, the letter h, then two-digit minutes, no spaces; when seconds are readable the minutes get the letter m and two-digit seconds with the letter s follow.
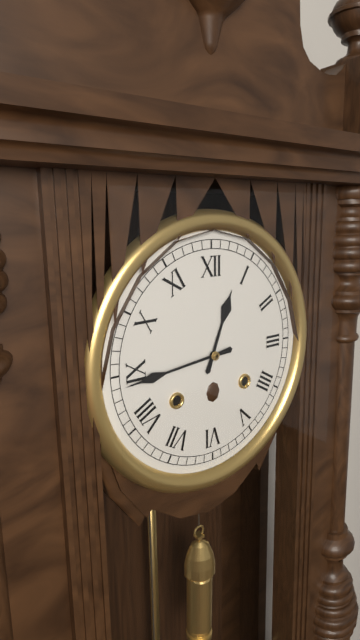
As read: 12h44
